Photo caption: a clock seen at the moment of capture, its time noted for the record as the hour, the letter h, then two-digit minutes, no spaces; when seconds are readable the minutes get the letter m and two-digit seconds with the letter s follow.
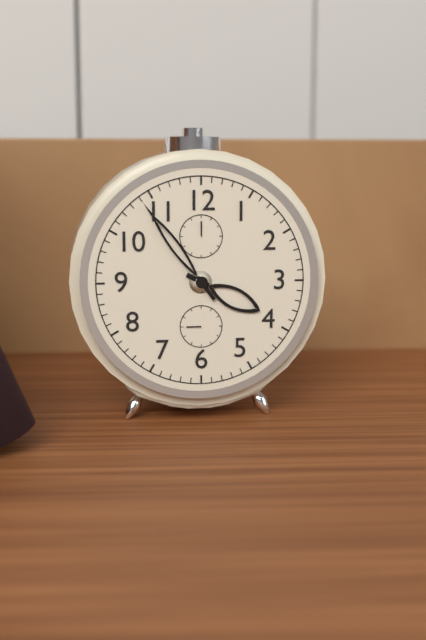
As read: 3h54
